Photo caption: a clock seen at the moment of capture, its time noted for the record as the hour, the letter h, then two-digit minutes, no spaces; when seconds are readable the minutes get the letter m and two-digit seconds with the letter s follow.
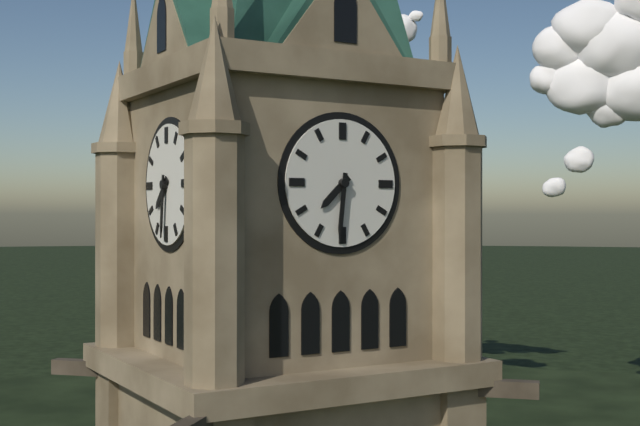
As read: 7h31
